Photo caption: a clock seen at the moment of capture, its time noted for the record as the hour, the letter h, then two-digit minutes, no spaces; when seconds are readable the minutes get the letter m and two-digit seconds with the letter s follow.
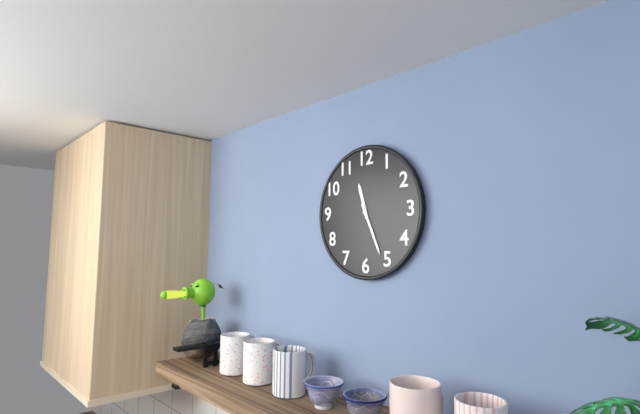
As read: 11h26
